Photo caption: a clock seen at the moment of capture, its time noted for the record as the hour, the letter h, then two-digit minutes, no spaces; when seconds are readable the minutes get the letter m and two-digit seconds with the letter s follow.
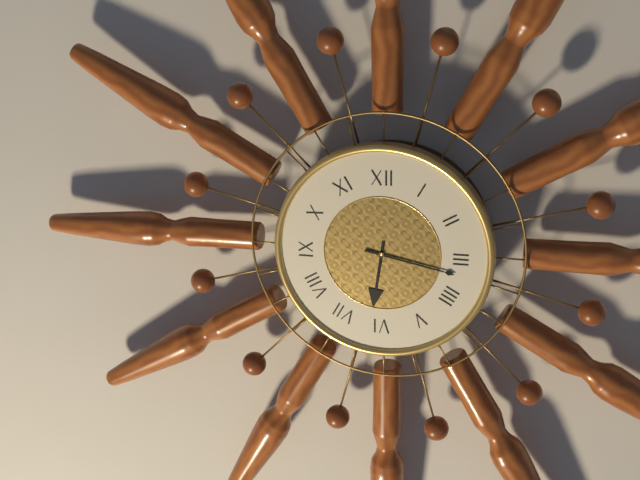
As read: 6h17
